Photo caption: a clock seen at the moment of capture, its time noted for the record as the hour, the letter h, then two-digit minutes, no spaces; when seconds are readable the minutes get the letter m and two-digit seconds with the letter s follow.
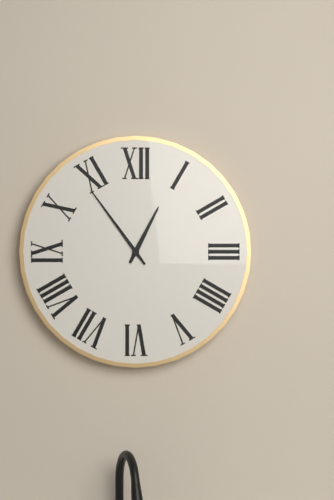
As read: 12h54
